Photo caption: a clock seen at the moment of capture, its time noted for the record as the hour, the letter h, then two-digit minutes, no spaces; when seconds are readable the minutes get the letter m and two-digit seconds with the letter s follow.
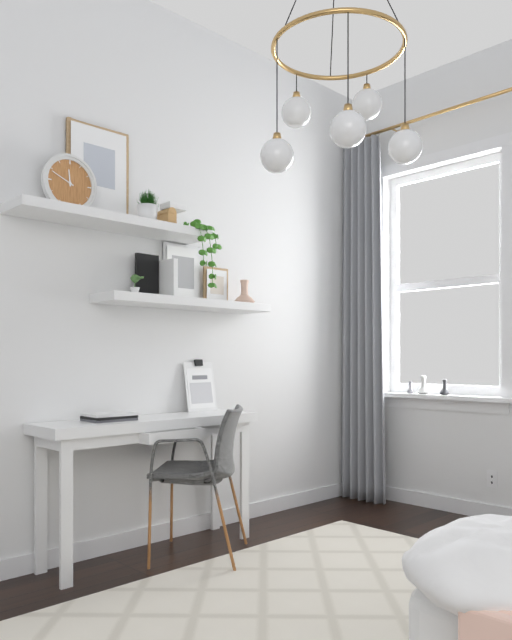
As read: 11h49
